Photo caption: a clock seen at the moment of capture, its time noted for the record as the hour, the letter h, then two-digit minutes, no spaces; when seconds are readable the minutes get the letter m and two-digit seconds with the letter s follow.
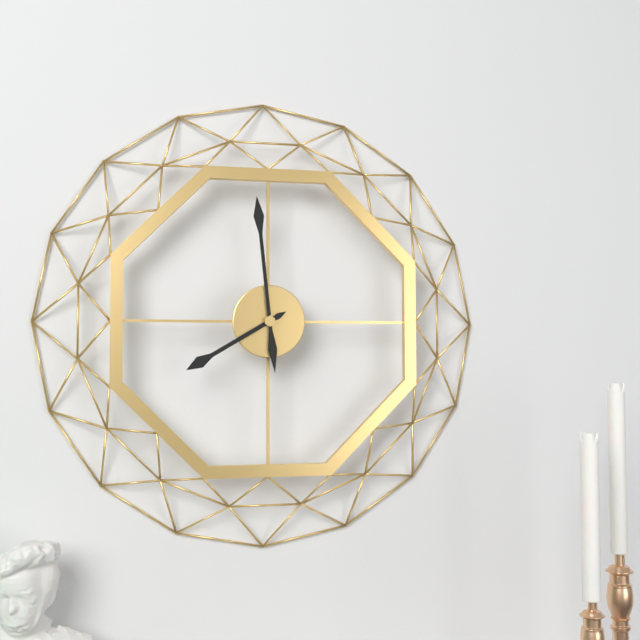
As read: 7h59
